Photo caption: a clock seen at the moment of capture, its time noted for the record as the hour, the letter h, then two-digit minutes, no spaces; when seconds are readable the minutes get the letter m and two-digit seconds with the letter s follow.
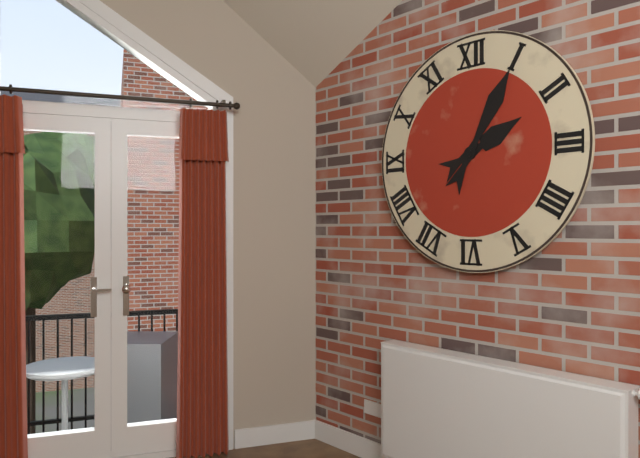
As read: 2h05
